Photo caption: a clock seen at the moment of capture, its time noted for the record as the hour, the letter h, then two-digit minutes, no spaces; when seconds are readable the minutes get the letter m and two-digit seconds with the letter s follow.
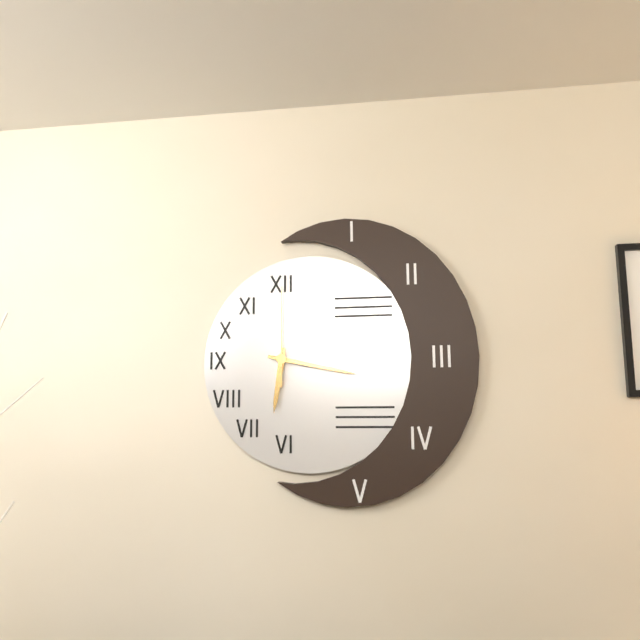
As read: 6h17m00s
